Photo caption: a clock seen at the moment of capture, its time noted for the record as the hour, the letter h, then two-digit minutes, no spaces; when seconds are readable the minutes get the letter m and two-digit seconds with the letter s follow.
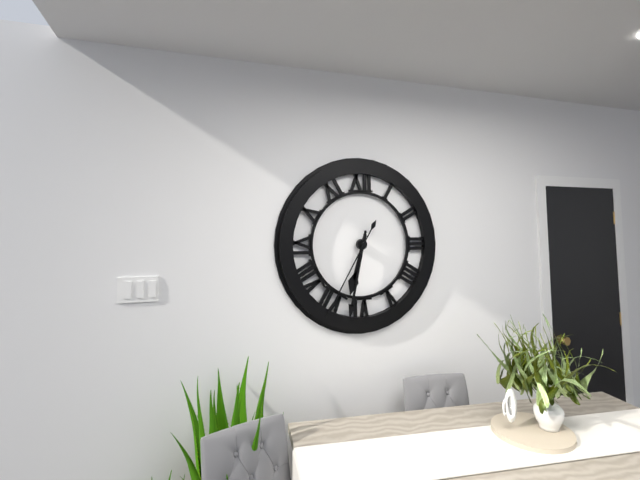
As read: 6h32m35s
